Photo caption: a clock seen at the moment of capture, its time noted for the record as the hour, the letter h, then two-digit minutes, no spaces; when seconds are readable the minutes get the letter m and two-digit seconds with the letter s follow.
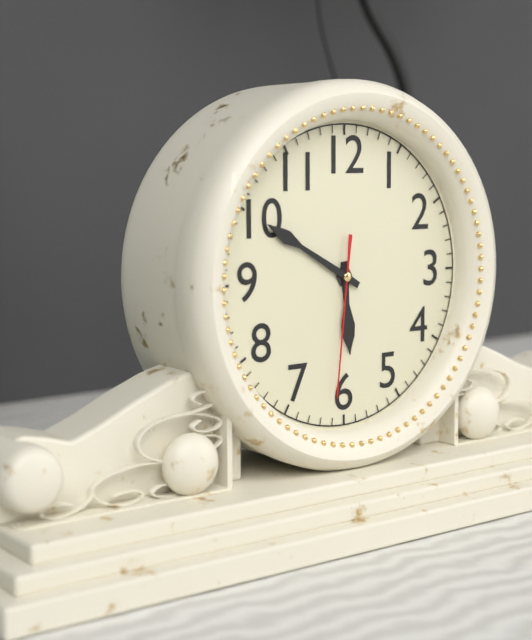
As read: 5h50m31s
